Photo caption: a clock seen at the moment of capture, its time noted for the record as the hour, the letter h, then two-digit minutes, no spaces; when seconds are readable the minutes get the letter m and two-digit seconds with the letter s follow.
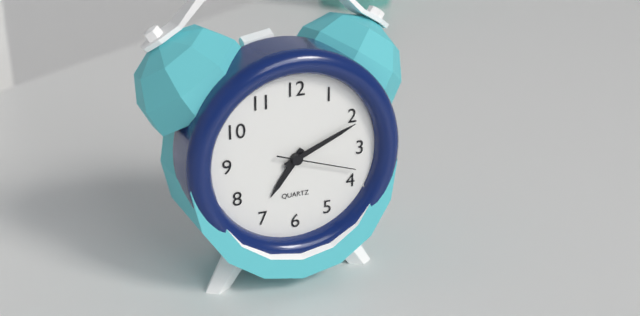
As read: 7h11m18s
